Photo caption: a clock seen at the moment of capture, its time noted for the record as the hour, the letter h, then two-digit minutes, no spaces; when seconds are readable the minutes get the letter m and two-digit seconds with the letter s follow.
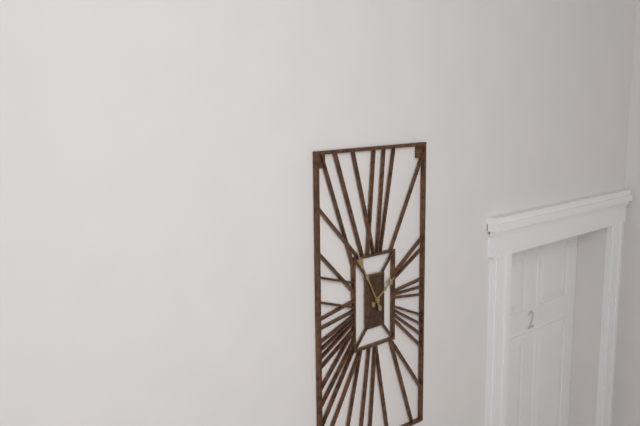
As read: 1h55
